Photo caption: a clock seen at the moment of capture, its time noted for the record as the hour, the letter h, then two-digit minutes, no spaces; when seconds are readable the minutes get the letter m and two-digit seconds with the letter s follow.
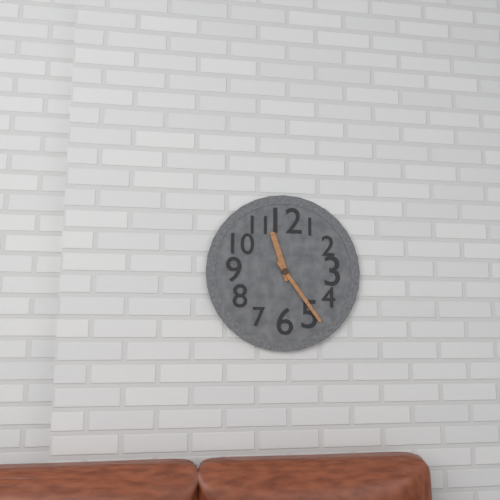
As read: 11h24
